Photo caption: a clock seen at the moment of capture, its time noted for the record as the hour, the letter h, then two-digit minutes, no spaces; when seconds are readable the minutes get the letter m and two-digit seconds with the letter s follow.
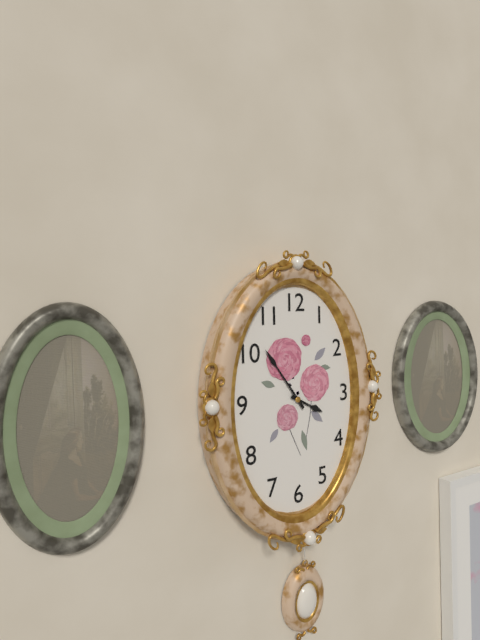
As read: 3h54
